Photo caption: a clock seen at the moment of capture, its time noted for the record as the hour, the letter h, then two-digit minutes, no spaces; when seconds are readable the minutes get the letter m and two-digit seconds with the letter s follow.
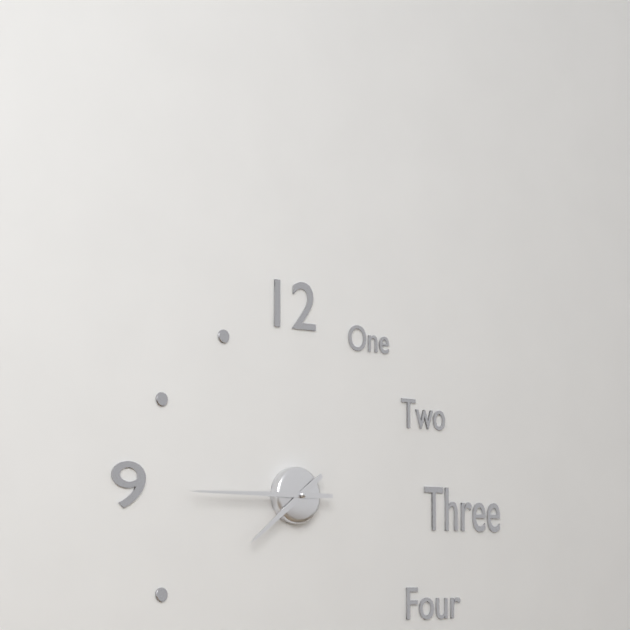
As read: 7h45
